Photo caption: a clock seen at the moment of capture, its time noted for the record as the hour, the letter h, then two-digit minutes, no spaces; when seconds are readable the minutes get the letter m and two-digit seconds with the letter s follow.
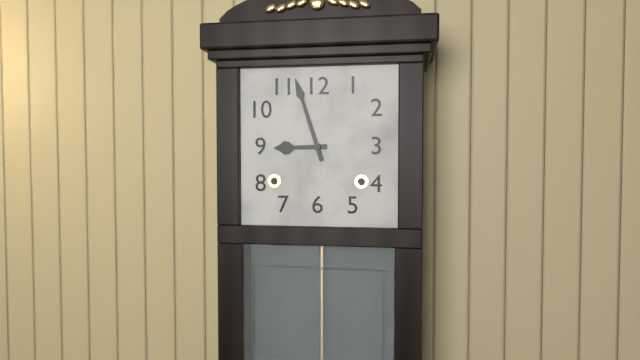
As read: 8h57
